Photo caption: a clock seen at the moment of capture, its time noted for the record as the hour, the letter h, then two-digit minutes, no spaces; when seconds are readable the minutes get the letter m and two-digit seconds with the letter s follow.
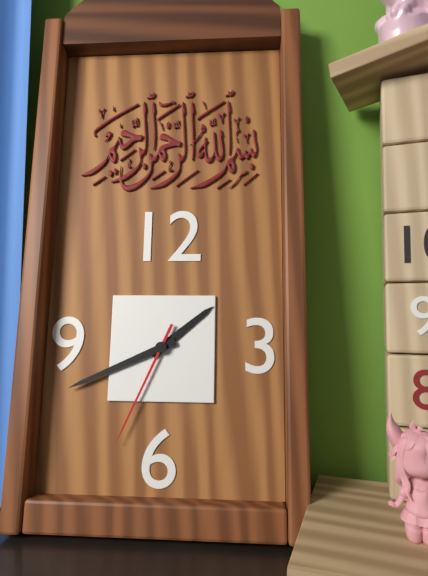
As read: 1h41m34s
